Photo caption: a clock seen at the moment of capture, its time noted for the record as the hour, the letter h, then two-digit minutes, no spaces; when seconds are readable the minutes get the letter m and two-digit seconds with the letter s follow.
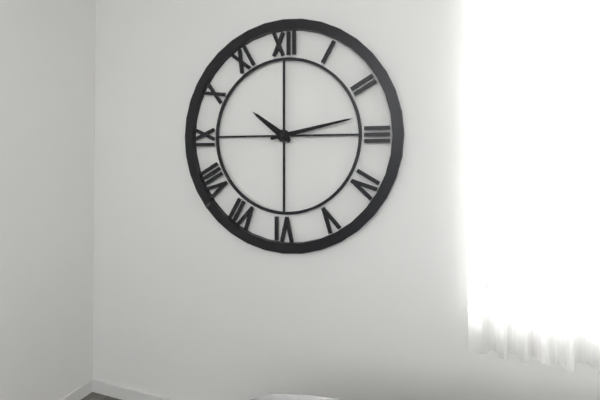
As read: 10h13
